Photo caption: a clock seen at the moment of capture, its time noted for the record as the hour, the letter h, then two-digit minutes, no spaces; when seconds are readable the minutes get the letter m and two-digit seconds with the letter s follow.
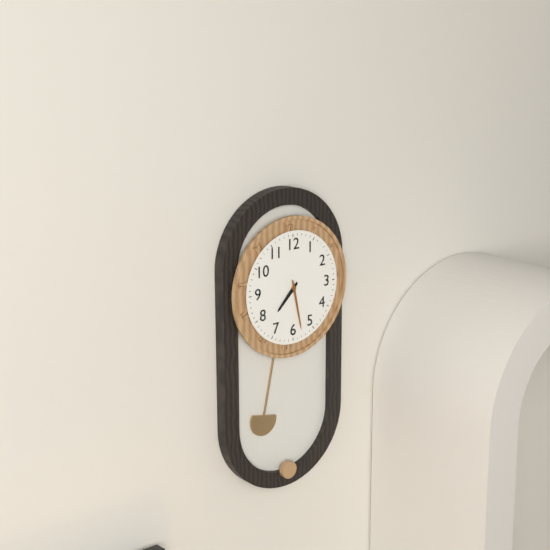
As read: 7h28
